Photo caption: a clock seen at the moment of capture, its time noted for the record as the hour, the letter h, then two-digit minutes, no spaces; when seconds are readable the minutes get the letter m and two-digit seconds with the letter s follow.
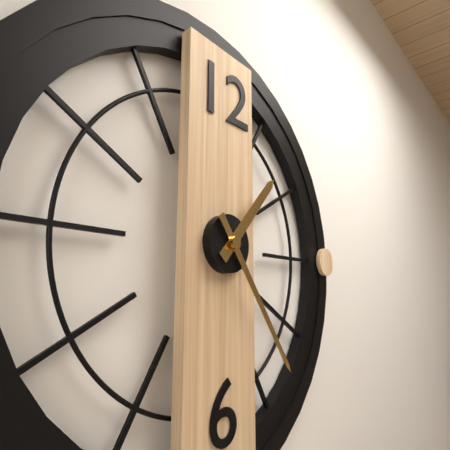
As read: 1h24
